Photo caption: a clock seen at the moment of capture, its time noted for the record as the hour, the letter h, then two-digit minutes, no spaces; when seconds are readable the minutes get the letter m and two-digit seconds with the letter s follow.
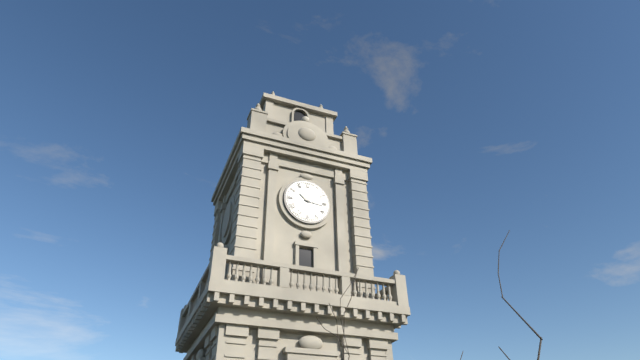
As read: 10h16
